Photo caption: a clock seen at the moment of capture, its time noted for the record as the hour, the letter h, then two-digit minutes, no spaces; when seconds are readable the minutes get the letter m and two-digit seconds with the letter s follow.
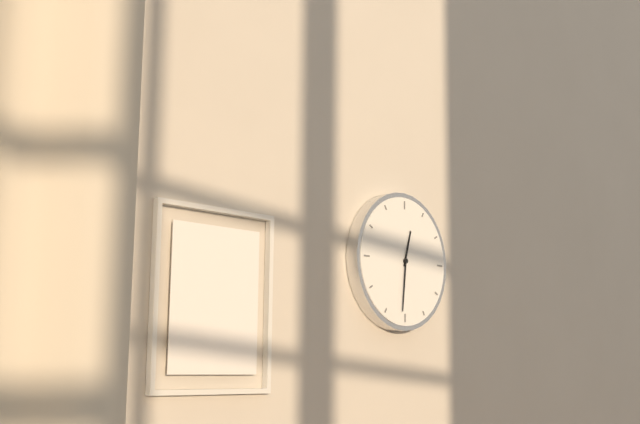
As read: 12h31
